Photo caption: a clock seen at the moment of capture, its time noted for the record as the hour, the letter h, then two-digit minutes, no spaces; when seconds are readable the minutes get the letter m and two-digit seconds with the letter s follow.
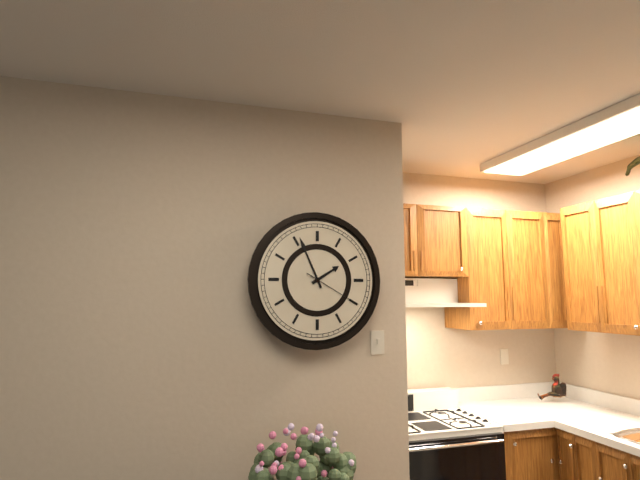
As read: 1h56m20s
